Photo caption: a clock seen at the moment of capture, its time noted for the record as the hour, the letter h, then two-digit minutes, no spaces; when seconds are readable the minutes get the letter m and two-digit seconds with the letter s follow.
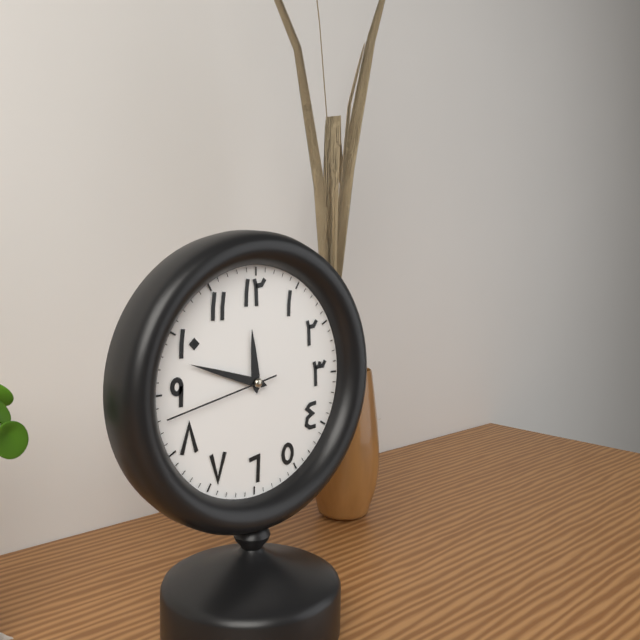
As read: 11h48m43s
